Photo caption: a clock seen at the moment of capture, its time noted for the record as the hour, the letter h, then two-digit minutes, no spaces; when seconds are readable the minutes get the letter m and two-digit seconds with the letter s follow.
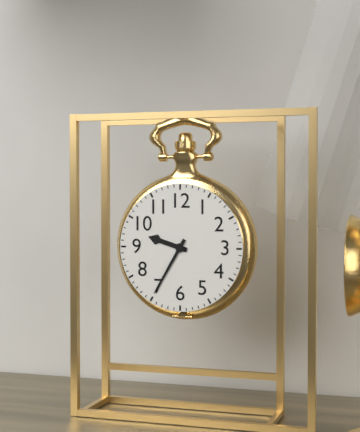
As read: 9h35
